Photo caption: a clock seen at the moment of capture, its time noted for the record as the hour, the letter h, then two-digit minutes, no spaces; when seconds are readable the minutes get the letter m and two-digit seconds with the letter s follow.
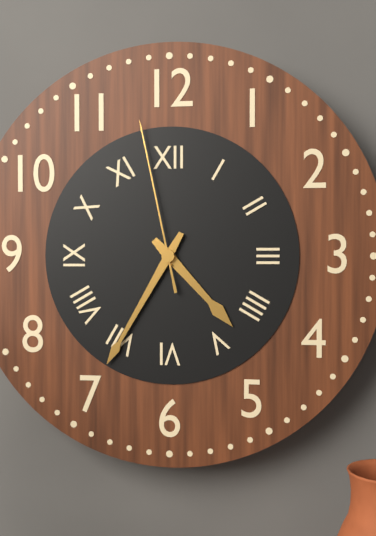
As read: 4h35m58s
